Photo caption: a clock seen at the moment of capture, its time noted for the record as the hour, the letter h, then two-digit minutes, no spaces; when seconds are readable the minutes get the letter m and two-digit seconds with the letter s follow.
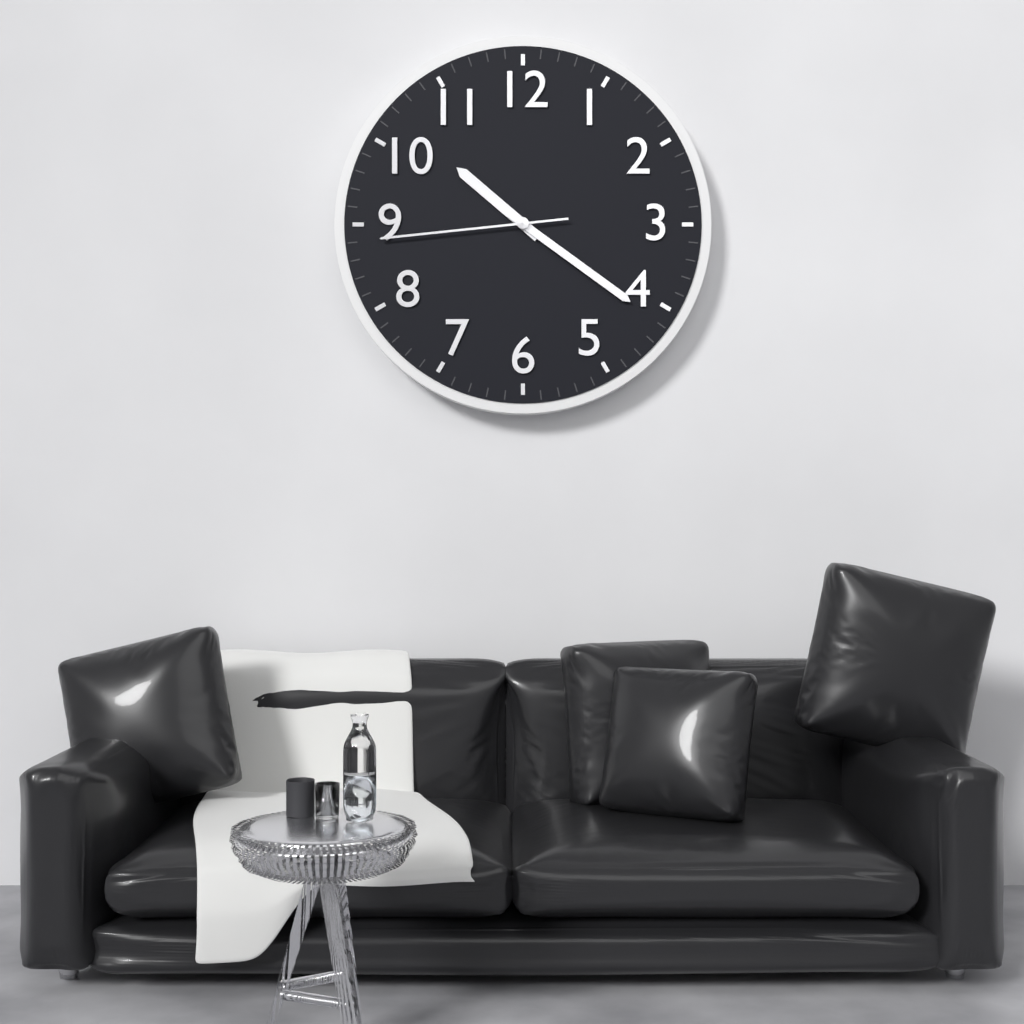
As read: 10h21m44s
